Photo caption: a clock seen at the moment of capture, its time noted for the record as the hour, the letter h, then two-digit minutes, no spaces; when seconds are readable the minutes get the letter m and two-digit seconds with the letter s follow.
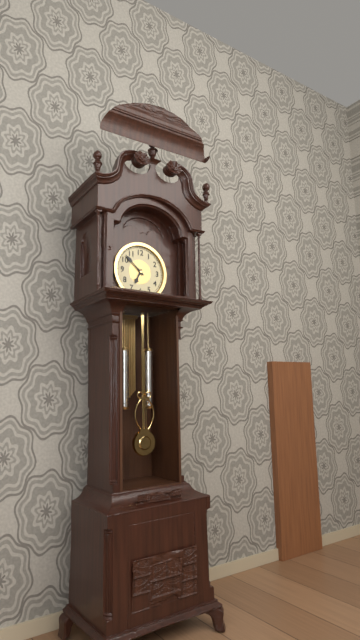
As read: 6h52
